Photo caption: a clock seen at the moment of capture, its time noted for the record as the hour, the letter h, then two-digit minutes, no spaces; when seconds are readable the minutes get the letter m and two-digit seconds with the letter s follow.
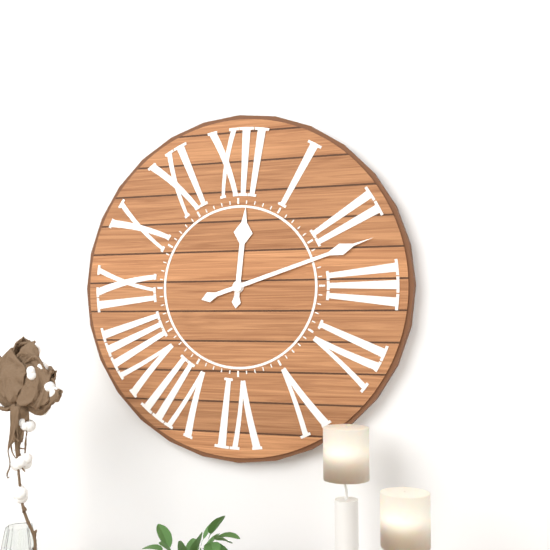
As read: 12h12
